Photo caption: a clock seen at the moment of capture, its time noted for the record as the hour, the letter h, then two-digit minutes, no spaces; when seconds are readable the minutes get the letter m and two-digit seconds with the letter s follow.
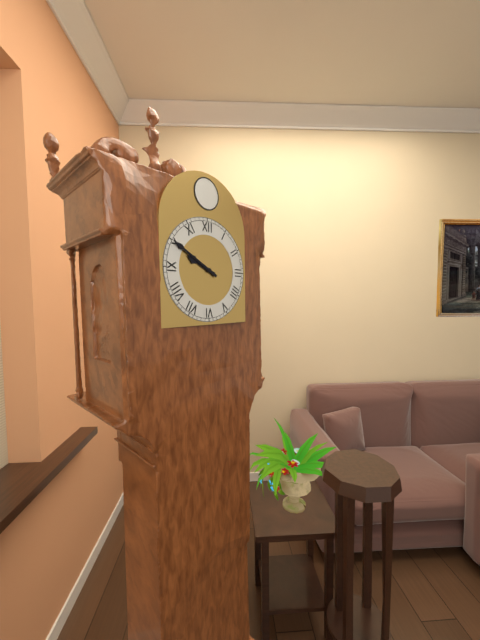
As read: 9h50
